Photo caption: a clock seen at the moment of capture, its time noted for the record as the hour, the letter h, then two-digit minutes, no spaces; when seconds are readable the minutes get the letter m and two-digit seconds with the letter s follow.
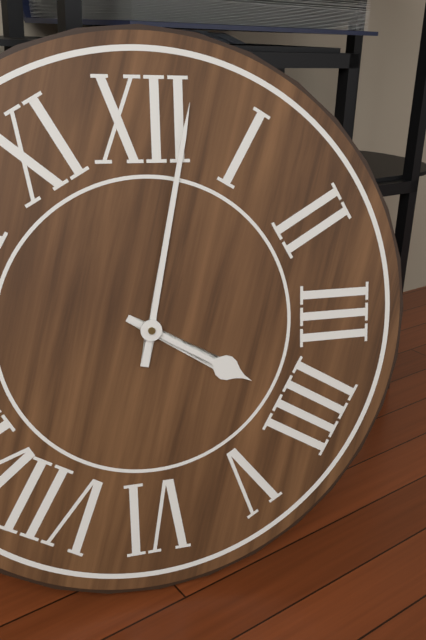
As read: 4h02
